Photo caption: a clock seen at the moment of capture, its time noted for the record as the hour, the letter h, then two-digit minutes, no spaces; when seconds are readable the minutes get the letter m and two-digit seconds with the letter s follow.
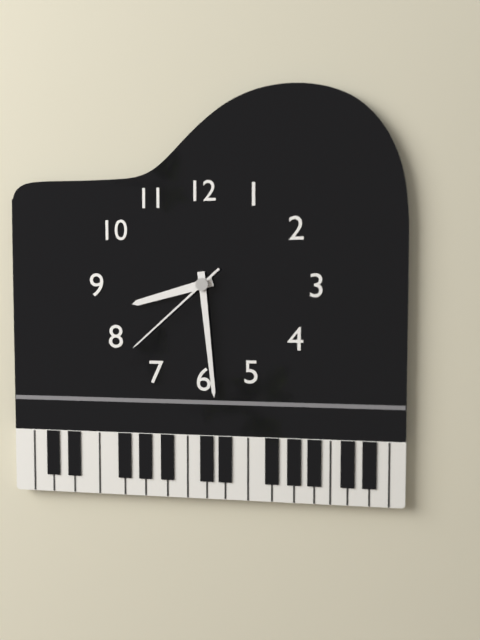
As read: 8h29m38s
